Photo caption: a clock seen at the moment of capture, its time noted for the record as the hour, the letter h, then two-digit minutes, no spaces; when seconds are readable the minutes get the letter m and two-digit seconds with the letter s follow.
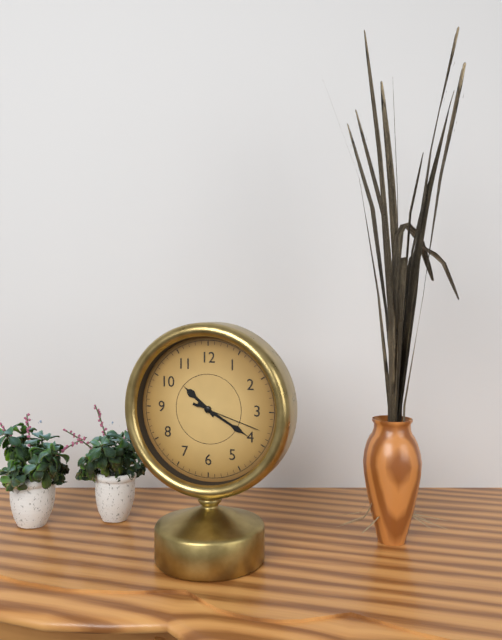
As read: 10h20m18s
